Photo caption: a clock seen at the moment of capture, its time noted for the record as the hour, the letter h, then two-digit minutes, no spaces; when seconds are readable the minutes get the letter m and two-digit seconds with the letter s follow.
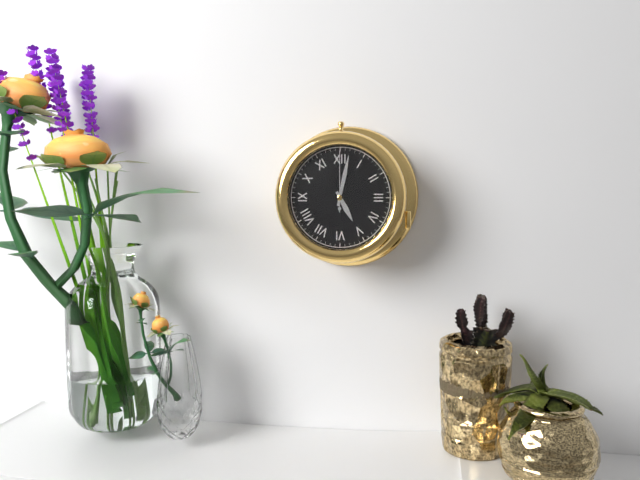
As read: 5h02m00s
